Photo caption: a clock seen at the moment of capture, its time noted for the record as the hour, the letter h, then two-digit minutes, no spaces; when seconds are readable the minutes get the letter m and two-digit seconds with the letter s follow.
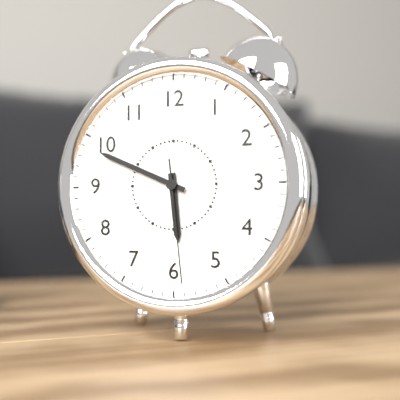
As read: 5h49m29s
